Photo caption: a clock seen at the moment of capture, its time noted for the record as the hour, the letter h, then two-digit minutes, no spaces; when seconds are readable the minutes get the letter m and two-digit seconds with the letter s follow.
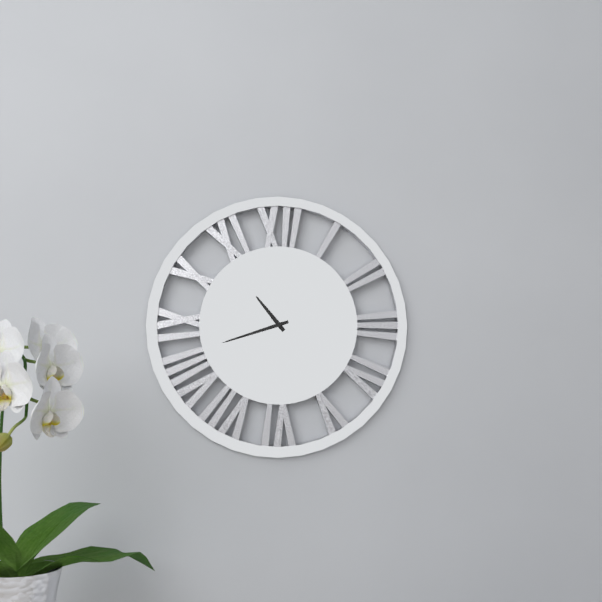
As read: 10h42
